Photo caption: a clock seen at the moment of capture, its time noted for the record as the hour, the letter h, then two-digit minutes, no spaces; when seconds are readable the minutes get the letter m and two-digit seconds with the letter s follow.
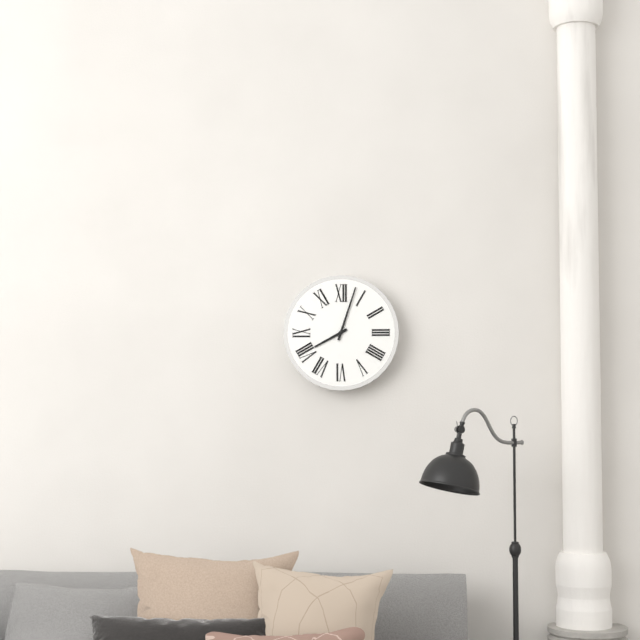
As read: 8h03
